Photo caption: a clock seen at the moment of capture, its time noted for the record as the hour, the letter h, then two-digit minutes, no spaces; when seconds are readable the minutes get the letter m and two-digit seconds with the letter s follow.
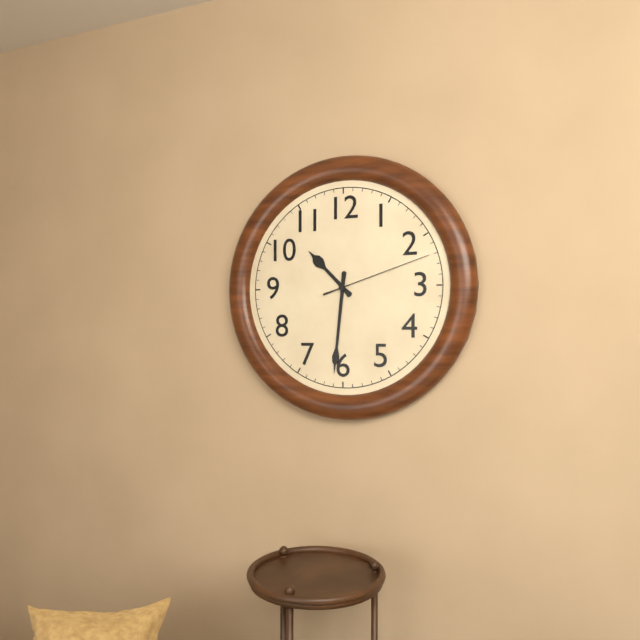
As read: 10h31m12s
